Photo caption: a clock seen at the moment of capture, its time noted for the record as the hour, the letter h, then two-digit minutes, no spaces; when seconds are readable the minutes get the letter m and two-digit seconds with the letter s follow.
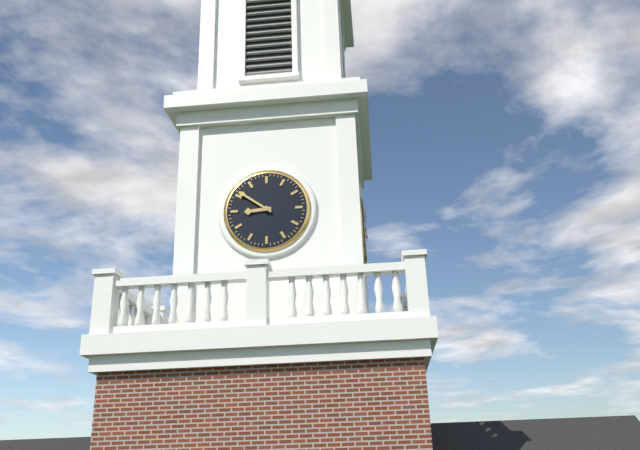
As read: 8h51
